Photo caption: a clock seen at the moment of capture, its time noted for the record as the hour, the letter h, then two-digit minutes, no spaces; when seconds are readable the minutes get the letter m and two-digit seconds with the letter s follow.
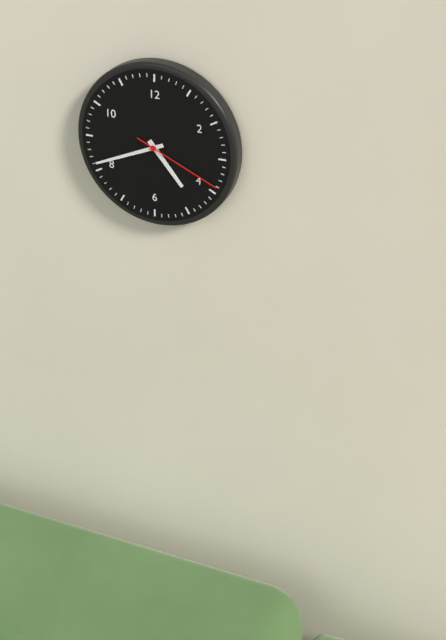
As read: 4h41m19s
